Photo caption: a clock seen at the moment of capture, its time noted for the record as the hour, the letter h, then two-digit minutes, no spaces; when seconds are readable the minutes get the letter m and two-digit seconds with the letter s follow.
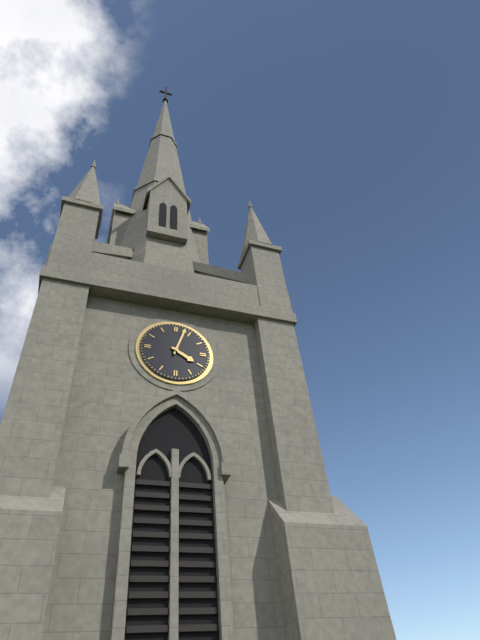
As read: 4h03
